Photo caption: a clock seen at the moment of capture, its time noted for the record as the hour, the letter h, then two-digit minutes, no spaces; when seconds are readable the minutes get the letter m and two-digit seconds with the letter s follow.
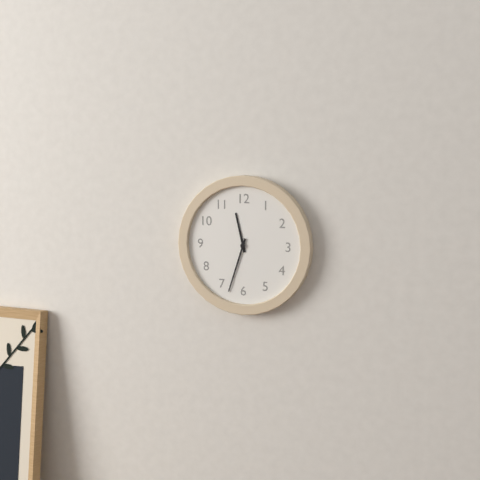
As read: 11h33
